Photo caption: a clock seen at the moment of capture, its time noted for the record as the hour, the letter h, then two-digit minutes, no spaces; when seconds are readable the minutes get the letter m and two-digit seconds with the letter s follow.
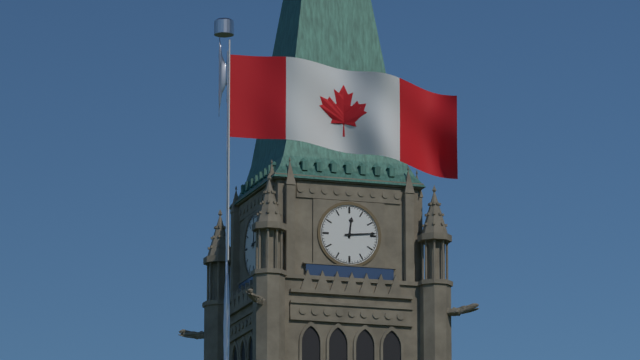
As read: 12h14
